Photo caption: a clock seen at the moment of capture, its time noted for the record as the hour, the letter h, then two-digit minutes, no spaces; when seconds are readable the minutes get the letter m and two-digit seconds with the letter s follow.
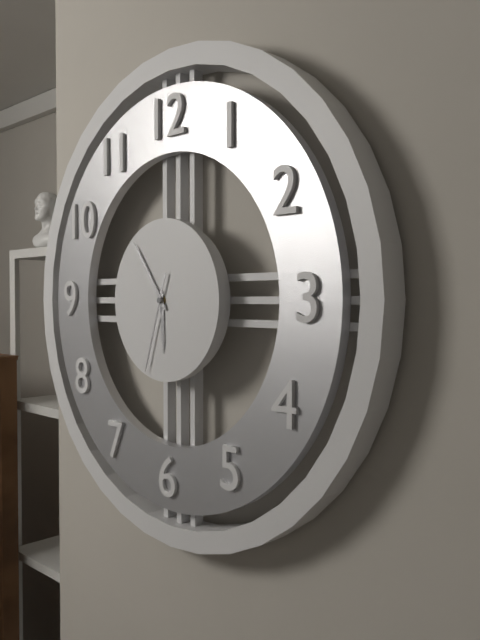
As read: 5h54m33s
